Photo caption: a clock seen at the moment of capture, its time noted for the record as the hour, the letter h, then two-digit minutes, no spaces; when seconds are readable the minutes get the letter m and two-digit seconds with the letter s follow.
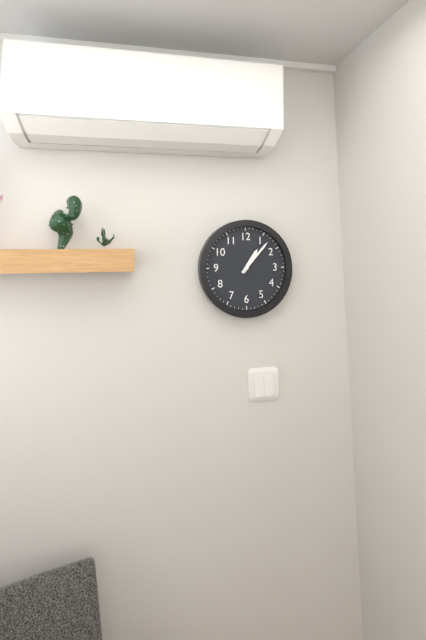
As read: 1h07
